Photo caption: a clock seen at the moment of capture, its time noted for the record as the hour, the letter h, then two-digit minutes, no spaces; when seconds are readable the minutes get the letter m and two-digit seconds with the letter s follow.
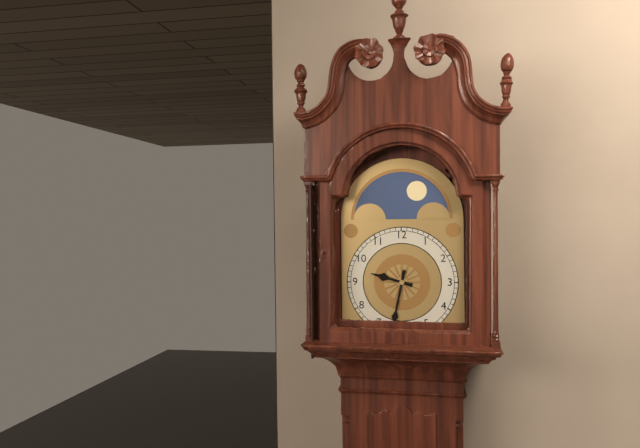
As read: 9h32
